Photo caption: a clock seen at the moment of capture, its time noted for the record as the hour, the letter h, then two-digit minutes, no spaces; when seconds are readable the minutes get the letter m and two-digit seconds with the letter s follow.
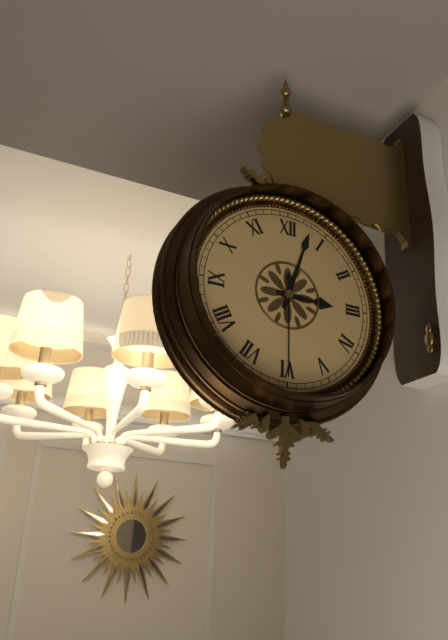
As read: 3h03m30s
